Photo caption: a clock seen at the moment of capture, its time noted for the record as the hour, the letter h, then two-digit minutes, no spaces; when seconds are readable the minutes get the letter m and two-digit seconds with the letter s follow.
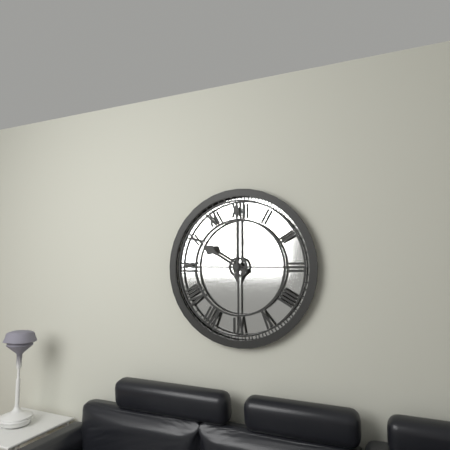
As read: 10h00
